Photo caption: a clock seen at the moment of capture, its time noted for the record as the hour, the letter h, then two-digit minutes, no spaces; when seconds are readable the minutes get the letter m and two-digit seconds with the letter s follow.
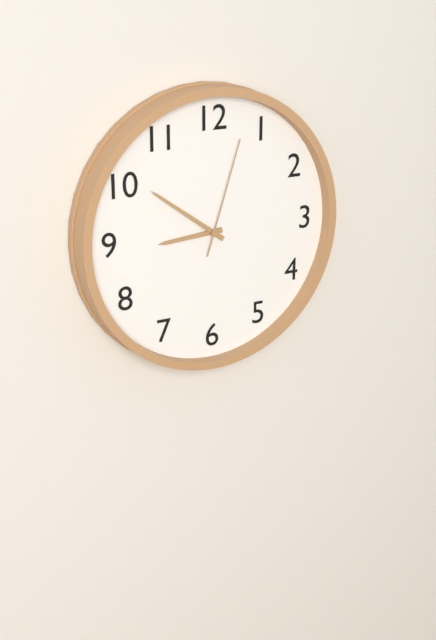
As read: 8h51m03s
